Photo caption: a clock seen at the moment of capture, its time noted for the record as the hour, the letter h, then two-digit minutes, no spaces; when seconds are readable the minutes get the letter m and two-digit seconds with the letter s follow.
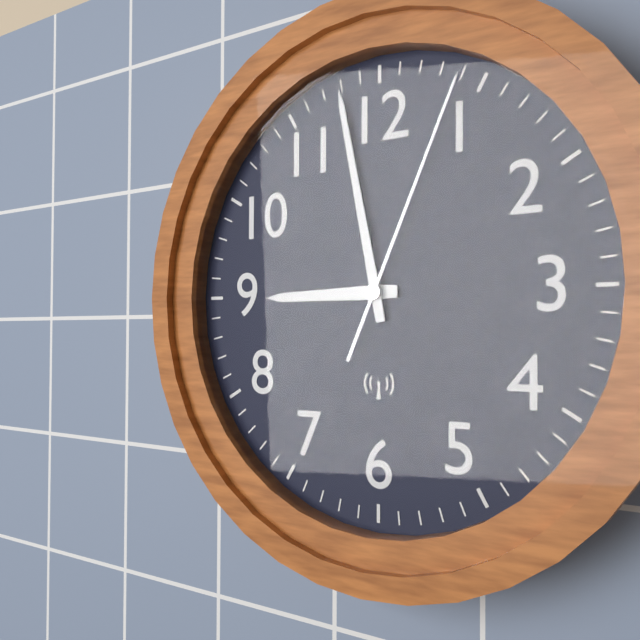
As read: 8h58m04s
